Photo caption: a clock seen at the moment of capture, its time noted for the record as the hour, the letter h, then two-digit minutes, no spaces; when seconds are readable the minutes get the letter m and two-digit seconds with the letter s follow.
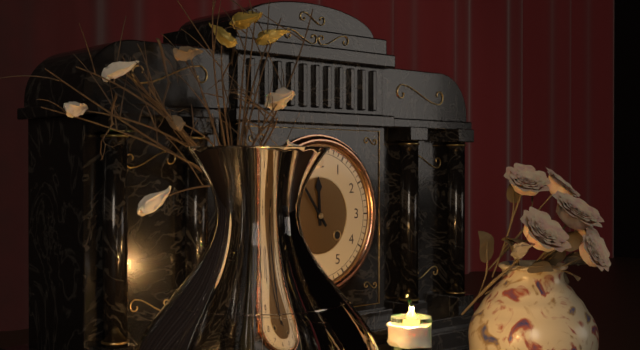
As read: 11h54
